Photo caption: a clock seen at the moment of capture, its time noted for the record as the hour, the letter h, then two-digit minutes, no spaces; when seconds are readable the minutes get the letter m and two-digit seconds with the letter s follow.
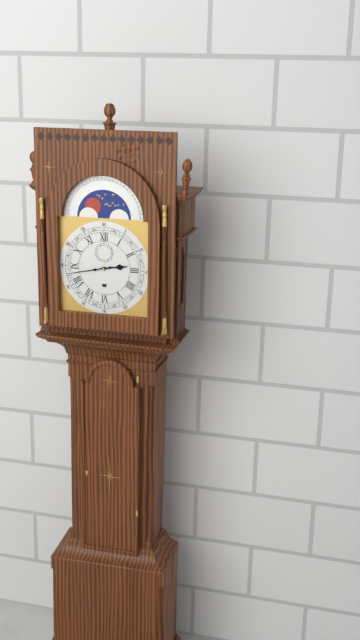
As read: 2h43
